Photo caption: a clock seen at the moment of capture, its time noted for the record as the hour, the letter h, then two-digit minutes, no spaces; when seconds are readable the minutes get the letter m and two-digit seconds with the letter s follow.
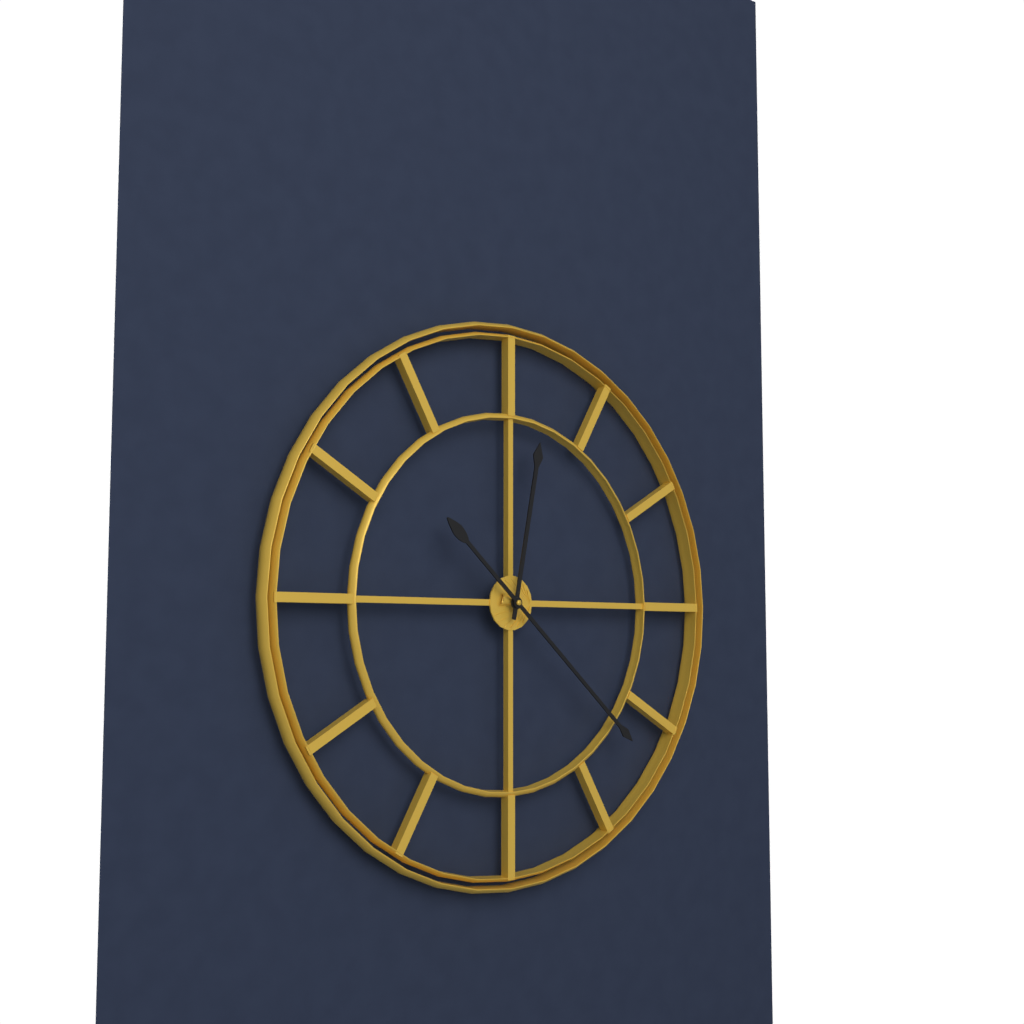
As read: 12h22
